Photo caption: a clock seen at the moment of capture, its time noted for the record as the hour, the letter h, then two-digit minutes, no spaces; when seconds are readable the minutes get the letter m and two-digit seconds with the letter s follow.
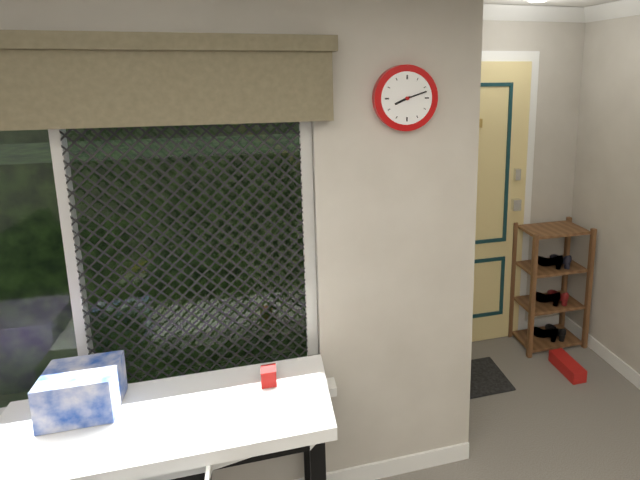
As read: 8h12
